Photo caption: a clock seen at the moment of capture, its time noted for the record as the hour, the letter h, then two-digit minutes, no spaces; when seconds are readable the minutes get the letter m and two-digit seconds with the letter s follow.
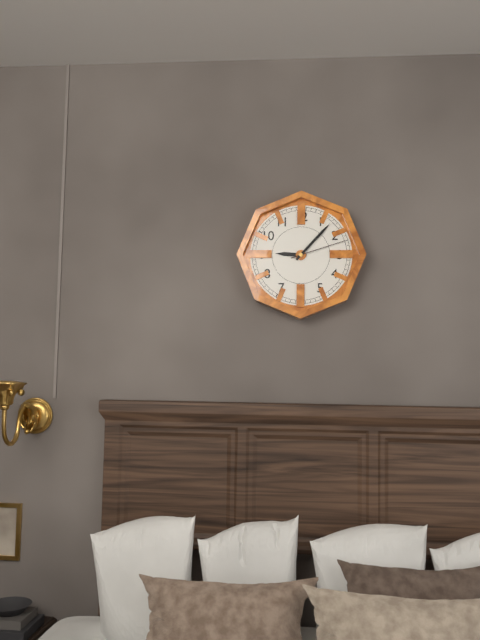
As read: 9h07m12s
